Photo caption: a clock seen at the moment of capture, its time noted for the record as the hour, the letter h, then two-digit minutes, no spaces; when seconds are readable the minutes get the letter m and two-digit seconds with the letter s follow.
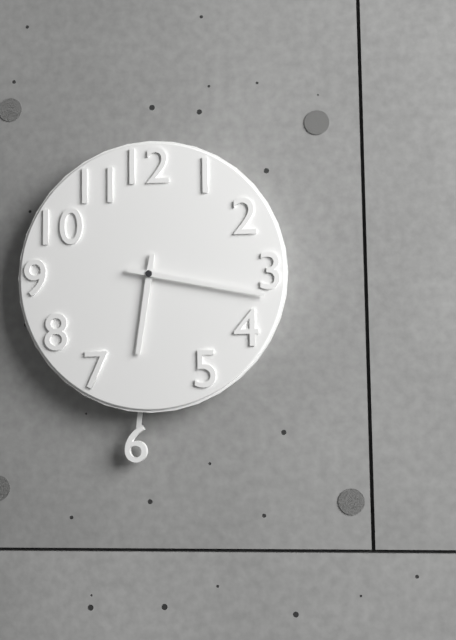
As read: 6h17
